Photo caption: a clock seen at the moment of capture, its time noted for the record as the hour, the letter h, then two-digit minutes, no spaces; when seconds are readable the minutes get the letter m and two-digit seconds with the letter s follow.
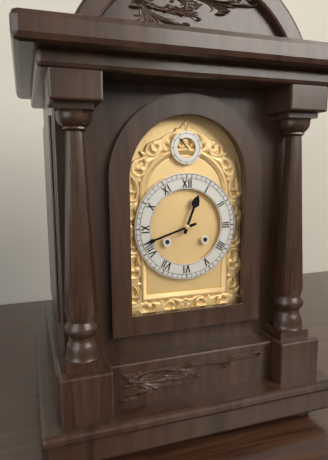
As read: 12h42
